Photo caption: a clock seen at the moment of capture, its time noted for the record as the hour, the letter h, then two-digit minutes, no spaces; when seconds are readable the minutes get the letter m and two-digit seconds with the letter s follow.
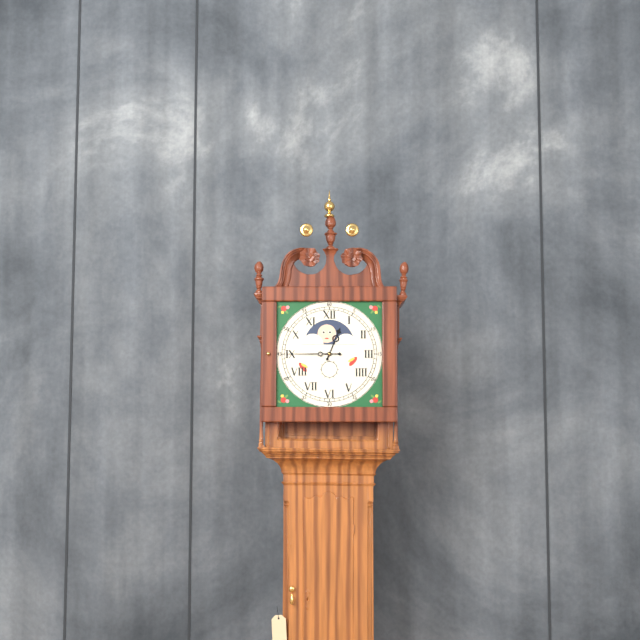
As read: 12h45
